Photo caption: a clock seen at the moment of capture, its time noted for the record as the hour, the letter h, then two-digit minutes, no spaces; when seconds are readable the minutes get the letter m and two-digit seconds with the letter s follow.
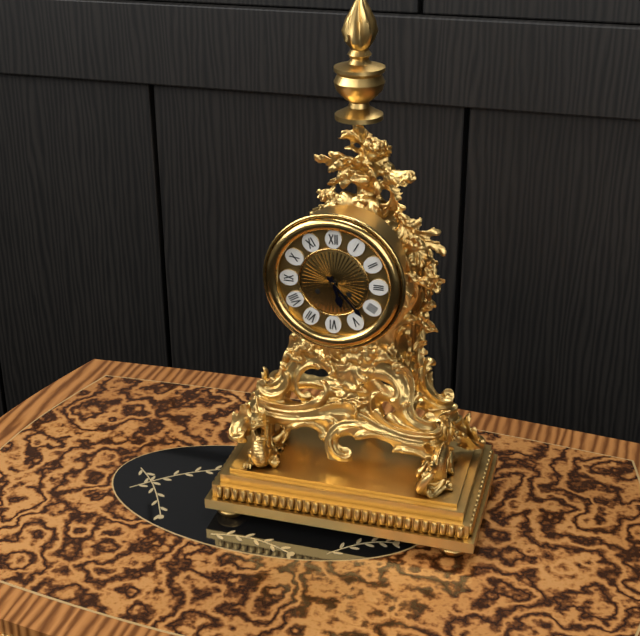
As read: 5h23
